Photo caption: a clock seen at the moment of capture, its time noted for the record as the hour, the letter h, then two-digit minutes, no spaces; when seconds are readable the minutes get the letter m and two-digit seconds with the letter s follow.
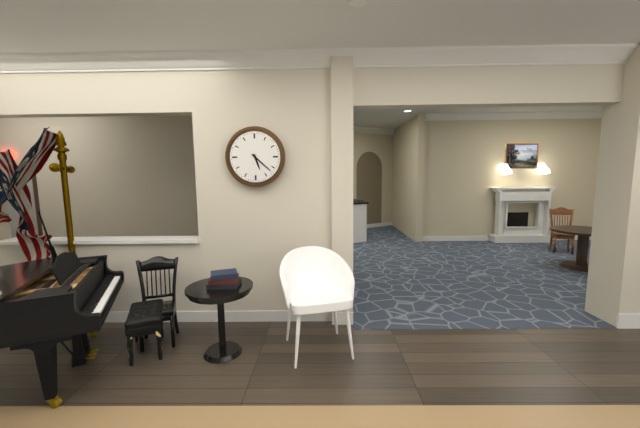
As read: 5h22
